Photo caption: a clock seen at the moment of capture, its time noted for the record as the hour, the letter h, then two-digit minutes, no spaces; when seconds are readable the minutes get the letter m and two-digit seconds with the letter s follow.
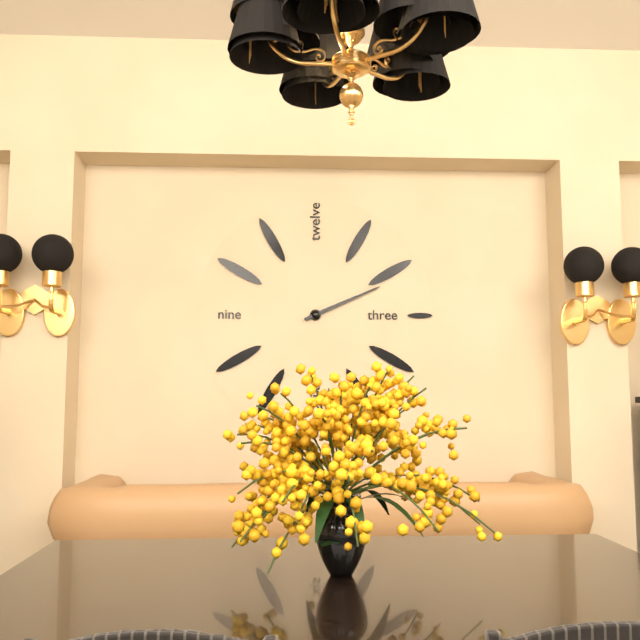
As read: 2h11
